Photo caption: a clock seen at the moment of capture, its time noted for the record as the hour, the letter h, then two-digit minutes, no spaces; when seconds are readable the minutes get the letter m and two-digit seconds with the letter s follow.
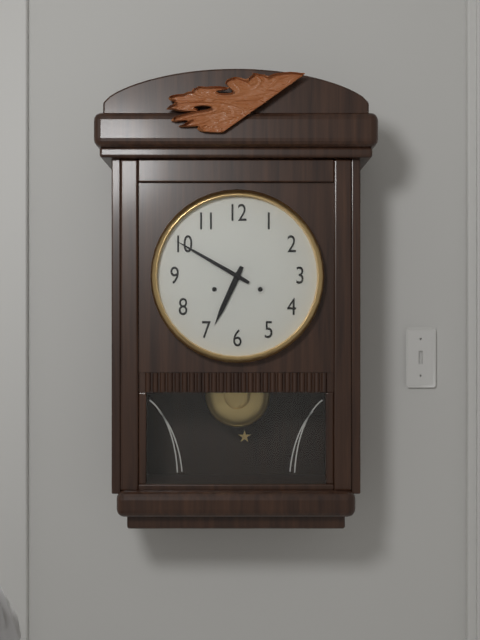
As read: 6h50
